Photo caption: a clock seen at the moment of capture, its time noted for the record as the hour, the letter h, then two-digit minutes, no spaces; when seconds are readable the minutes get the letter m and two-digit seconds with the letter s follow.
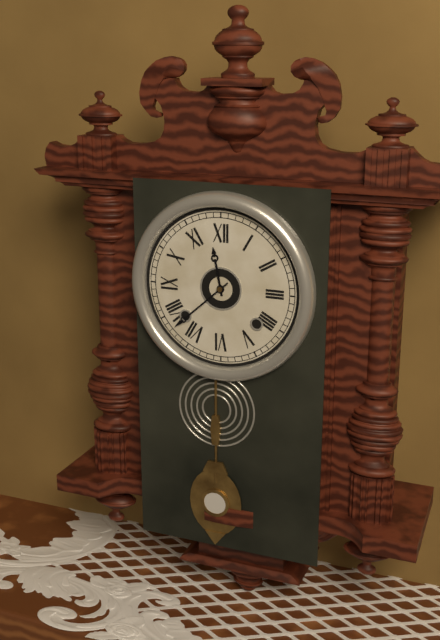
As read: 11h38
